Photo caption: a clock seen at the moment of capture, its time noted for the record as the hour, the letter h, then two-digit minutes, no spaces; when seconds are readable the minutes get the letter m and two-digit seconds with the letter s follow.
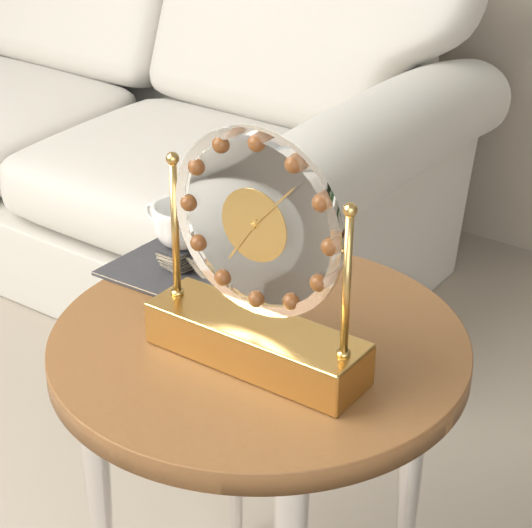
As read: 7h07
